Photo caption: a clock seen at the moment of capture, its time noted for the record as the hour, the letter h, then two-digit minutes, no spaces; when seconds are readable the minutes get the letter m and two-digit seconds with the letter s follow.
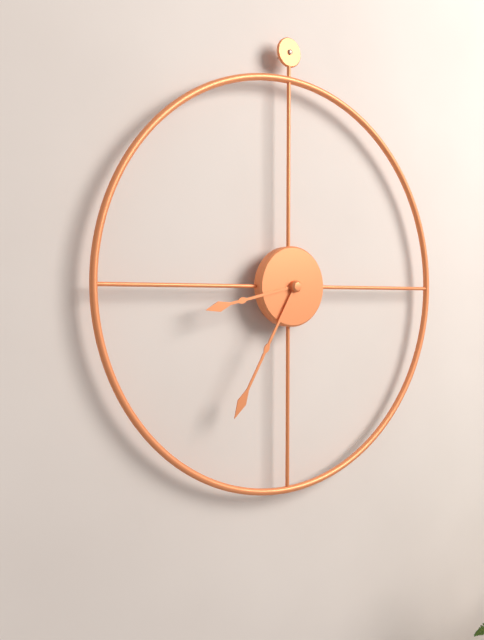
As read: 8h35
